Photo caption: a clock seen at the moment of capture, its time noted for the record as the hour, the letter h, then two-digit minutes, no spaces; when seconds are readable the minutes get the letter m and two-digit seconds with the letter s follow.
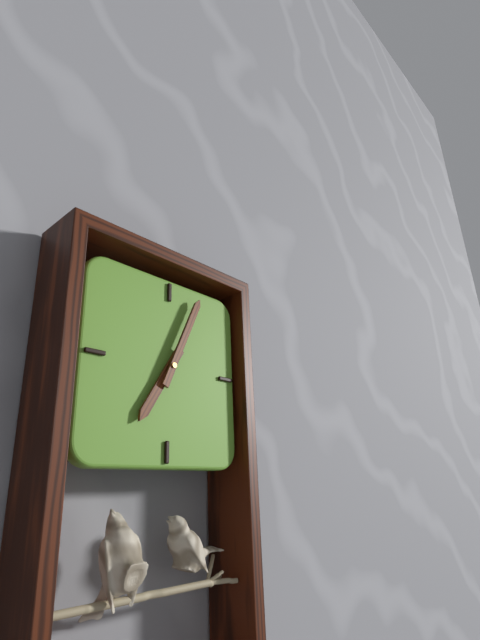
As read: 7h04
